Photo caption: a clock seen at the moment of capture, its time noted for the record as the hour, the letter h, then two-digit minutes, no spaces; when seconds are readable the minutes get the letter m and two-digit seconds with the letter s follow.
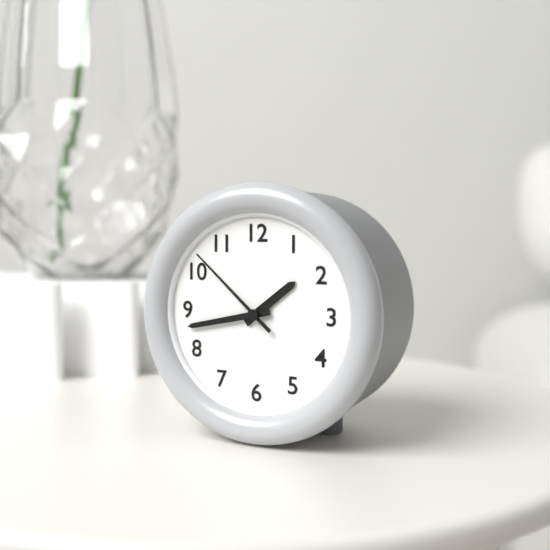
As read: 1h43m52s
